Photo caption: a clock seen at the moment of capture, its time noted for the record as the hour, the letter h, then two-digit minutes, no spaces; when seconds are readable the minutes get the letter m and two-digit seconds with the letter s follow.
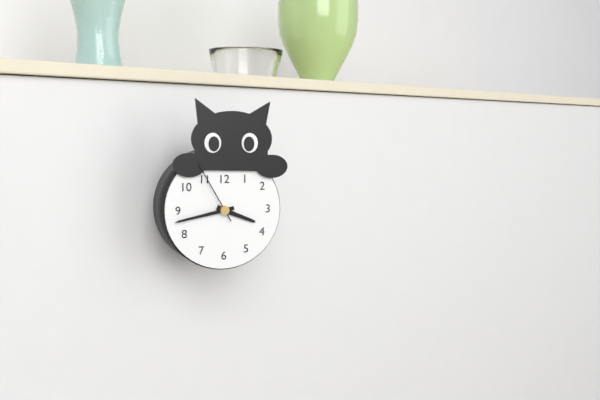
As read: 3h43m55s
